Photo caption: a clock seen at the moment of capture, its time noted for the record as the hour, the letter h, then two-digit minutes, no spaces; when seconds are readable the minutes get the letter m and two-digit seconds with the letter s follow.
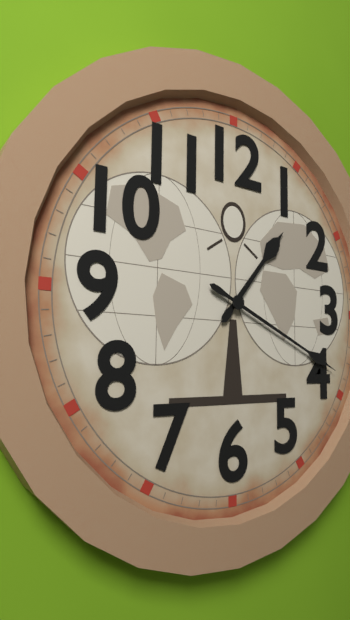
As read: 1h19
